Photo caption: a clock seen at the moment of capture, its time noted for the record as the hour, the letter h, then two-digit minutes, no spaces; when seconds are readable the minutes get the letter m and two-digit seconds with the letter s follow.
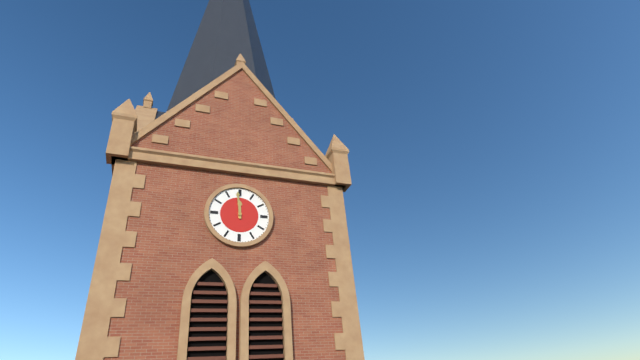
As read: 11h59
